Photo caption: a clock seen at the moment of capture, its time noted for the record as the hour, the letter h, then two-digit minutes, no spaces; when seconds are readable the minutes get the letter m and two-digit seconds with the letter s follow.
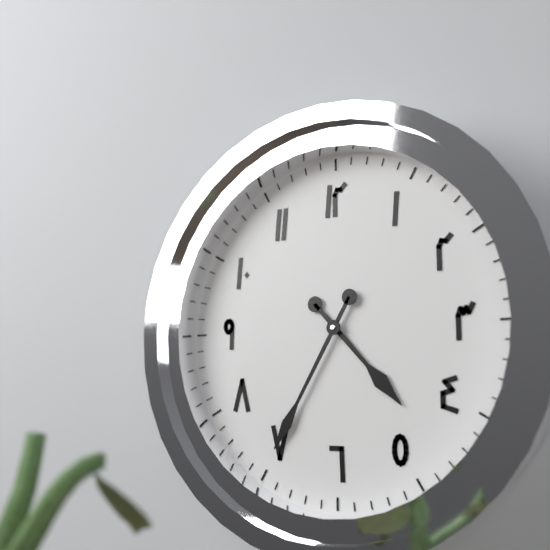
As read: 4h35
